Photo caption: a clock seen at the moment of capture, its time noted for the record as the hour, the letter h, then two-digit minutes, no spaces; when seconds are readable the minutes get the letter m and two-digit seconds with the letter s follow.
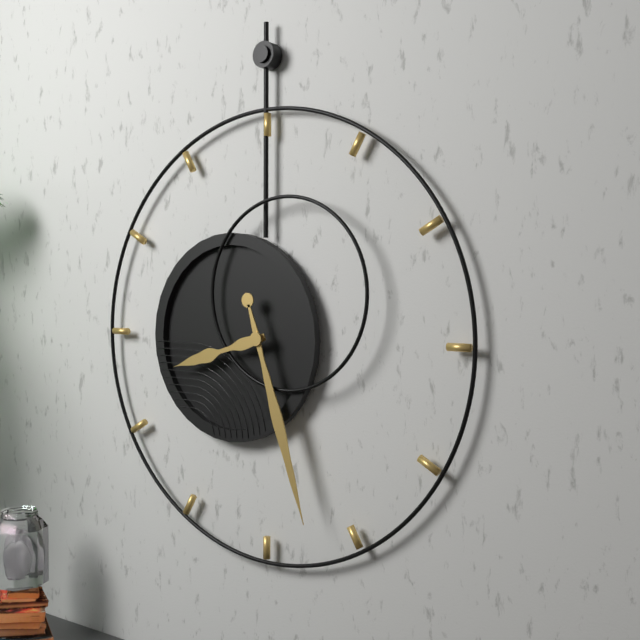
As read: 8h27
